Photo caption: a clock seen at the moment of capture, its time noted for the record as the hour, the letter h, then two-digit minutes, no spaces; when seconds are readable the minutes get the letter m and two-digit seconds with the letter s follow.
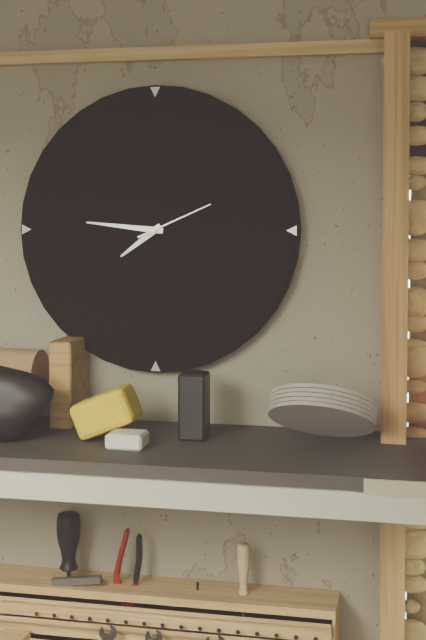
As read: 7h46m11s
